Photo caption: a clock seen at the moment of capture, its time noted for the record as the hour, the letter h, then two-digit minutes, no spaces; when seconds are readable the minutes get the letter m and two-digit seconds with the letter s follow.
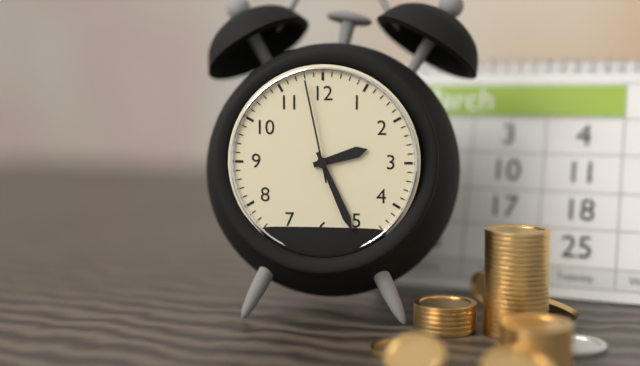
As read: 2h26m58s
